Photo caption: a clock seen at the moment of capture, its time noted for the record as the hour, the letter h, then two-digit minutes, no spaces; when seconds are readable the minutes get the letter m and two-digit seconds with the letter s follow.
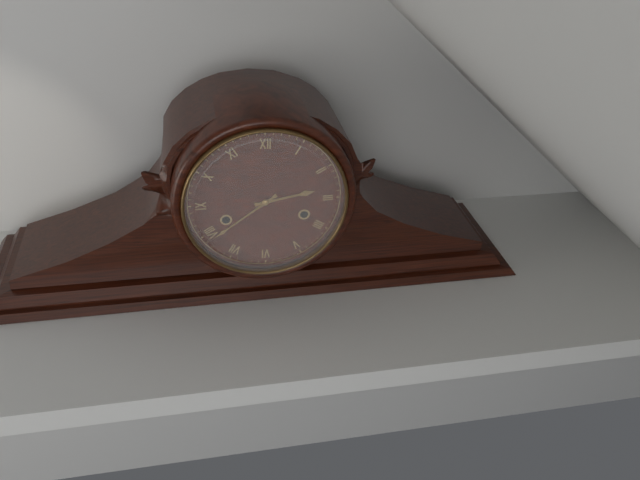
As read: 2h39
